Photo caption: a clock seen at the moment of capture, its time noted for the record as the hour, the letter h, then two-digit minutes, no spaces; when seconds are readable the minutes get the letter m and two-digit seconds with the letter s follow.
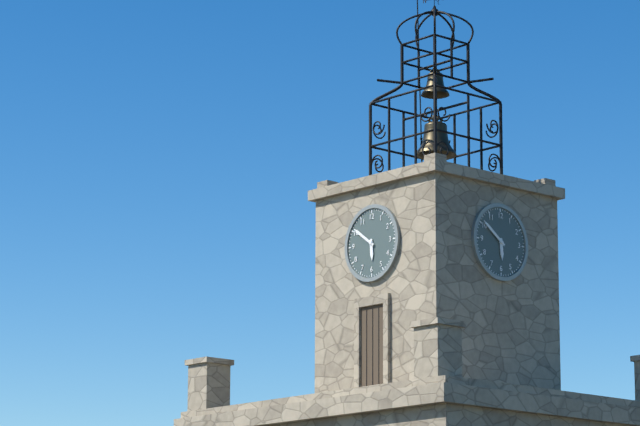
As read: 5h51
